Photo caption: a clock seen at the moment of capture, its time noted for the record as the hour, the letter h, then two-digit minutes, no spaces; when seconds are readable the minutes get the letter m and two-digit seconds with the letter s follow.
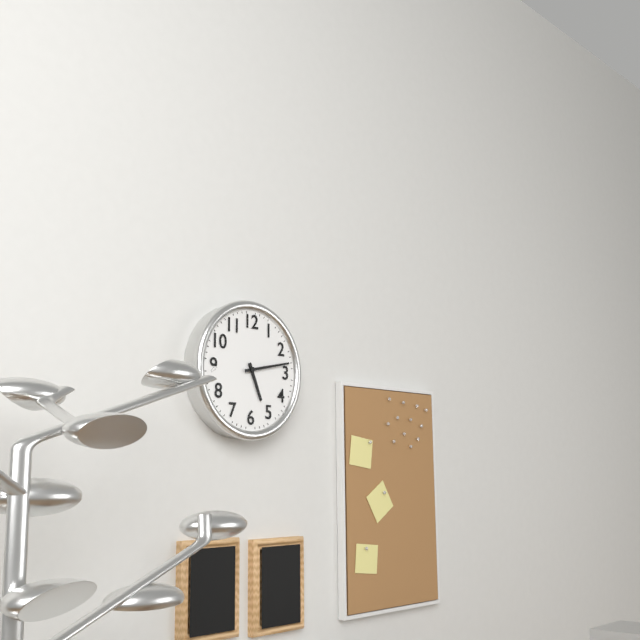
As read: 5h13
